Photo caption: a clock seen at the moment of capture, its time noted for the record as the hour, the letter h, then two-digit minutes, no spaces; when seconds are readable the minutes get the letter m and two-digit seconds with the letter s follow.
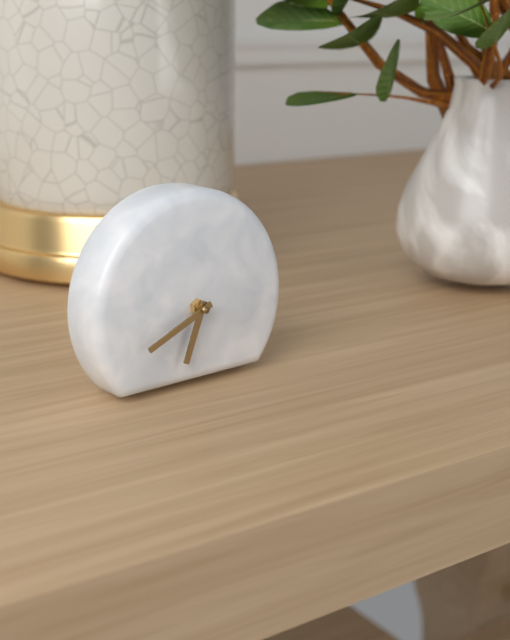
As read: 6h41
